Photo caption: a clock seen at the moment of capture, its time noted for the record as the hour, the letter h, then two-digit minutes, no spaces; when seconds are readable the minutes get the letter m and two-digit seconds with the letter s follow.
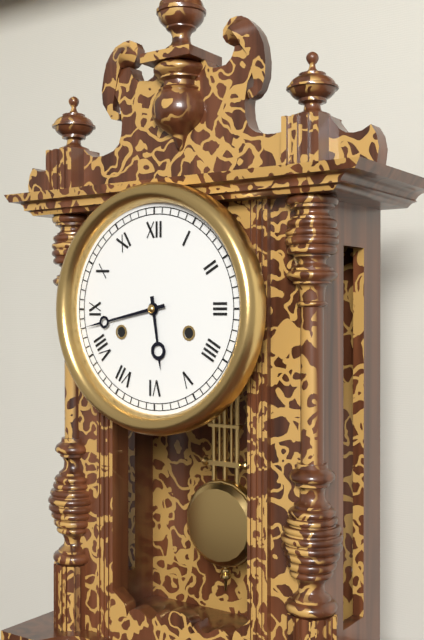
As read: 5h43
